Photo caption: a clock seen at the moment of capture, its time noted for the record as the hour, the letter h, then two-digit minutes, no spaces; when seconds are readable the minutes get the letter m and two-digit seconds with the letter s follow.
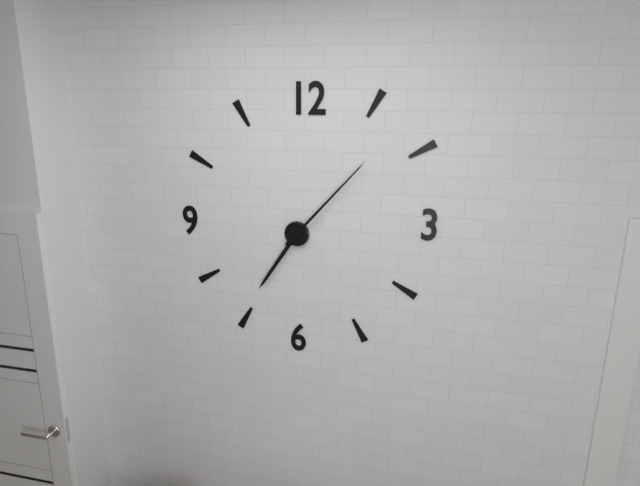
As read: 7h07
